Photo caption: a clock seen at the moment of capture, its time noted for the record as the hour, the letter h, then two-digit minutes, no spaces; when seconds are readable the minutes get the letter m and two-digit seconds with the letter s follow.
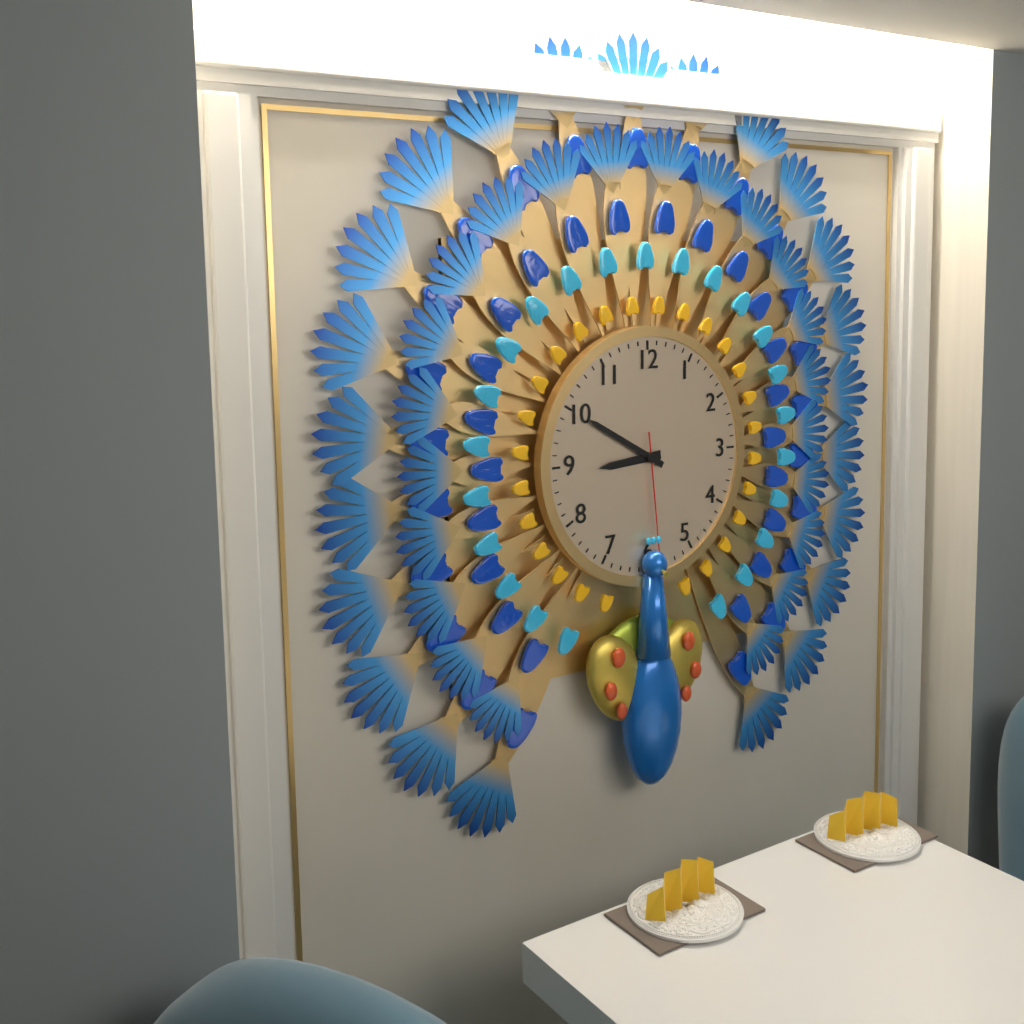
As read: 8h50m29s
